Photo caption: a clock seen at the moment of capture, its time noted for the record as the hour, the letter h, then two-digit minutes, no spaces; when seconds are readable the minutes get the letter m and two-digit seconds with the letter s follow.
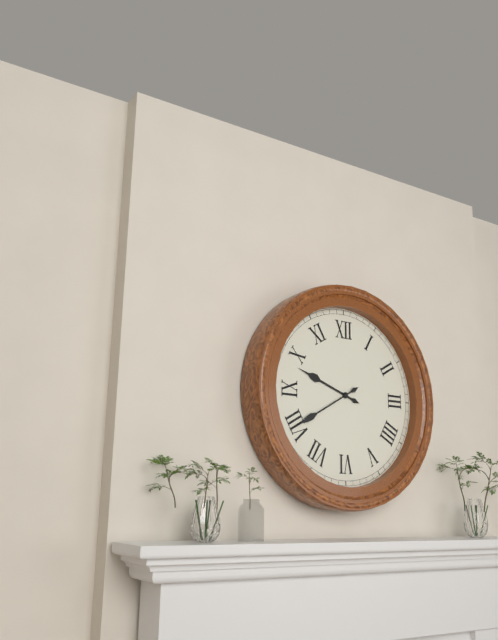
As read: 9h40
